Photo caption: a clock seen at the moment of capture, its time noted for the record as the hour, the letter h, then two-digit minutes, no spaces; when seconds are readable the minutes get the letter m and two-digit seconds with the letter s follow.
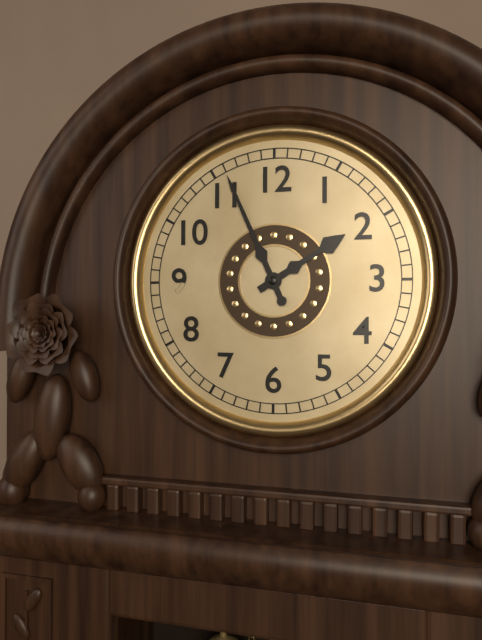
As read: 1h56
